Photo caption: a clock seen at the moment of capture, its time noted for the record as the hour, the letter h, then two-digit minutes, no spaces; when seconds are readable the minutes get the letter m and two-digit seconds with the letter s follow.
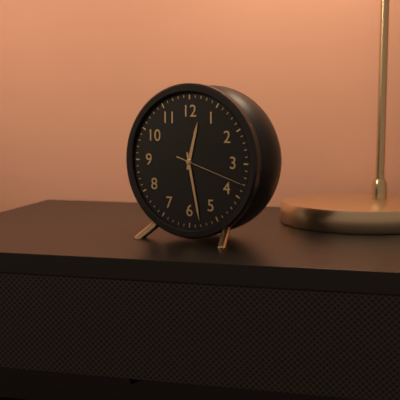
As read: 12h28m18s
